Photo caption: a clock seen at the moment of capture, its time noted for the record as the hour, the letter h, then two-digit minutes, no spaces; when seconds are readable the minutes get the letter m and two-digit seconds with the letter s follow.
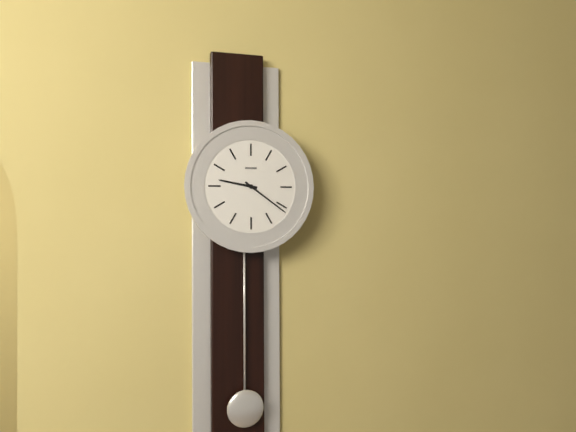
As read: 9h21
